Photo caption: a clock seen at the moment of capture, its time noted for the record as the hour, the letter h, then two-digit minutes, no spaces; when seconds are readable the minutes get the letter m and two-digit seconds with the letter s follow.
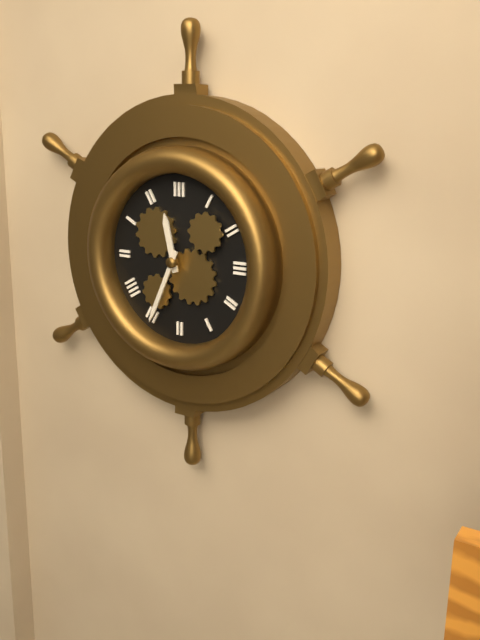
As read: 11h34
